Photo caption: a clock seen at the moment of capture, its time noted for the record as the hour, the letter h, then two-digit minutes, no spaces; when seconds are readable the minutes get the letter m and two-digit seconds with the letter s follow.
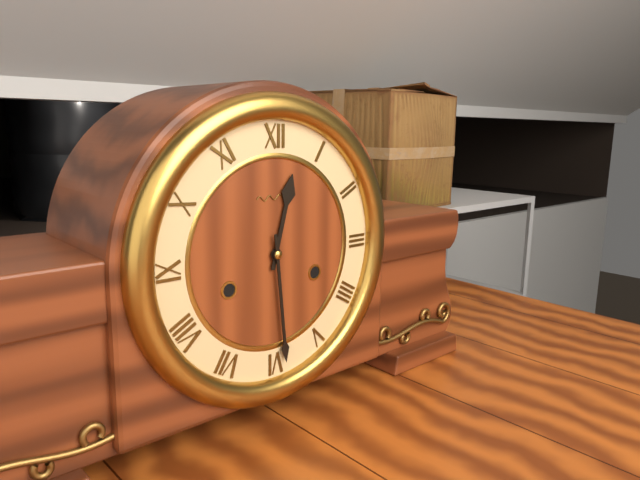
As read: 12h29
